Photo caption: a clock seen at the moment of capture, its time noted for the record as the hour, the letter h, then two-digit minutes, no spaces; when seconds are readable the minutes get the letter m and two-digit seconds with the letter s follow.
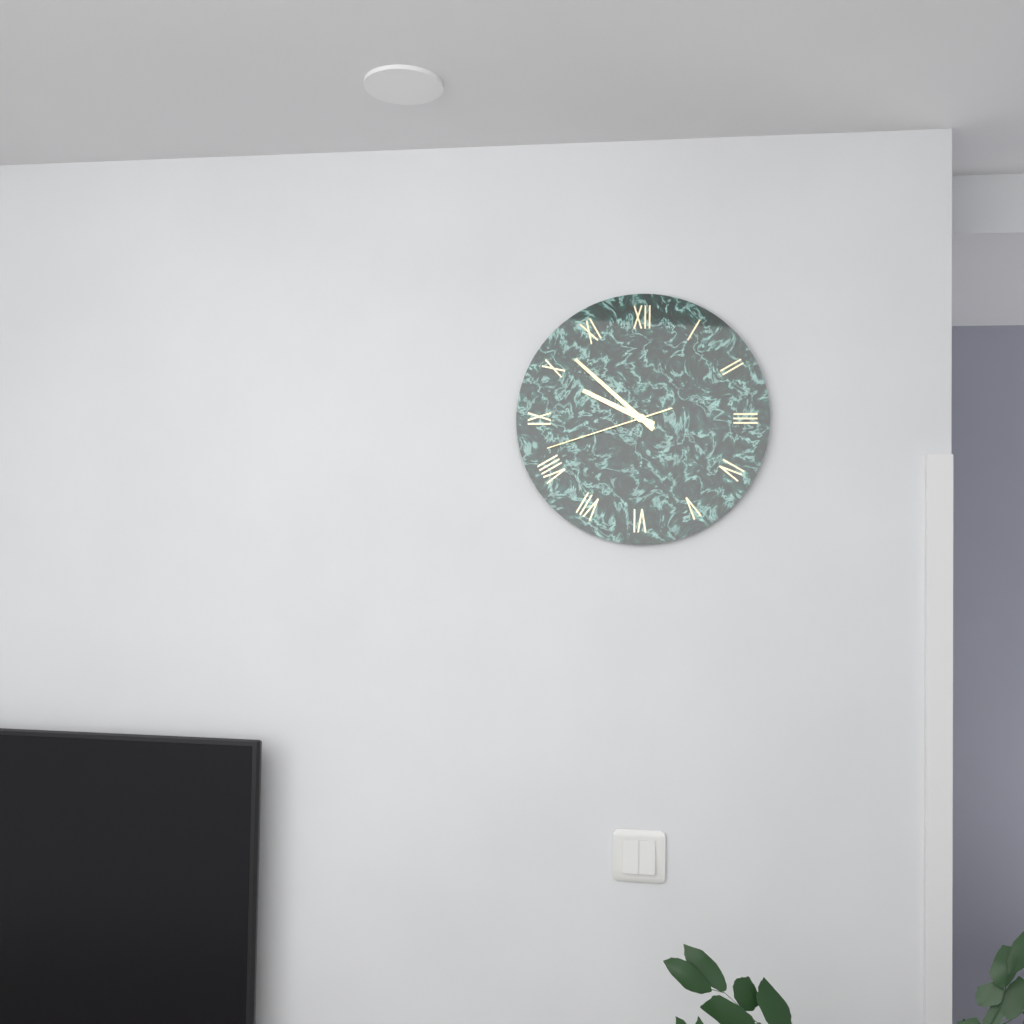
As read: 9h52m42s
